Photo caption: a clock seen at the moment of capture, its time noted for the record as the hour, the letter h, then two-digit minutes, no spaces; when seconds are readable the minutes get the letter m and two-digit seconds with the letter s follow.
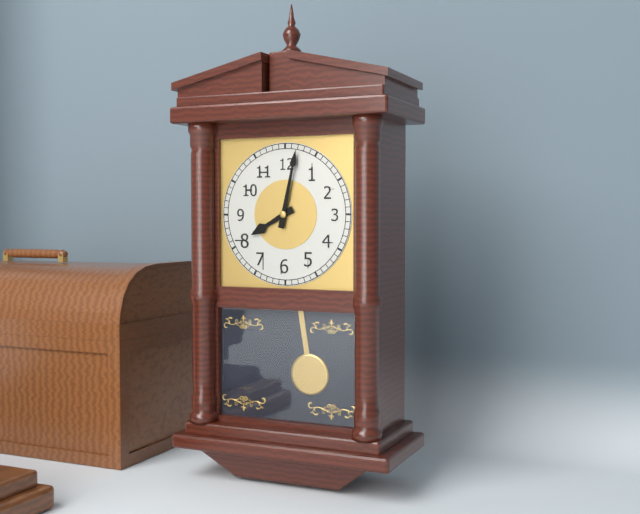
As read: 8h02
